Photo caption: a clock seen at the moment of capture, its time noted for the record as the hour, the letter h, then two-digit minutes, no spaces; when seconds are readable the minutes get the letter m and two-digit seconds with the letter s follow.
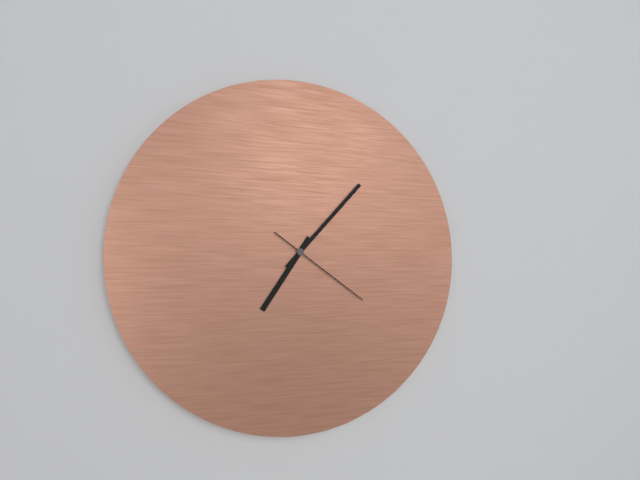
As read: 7h07m21s
